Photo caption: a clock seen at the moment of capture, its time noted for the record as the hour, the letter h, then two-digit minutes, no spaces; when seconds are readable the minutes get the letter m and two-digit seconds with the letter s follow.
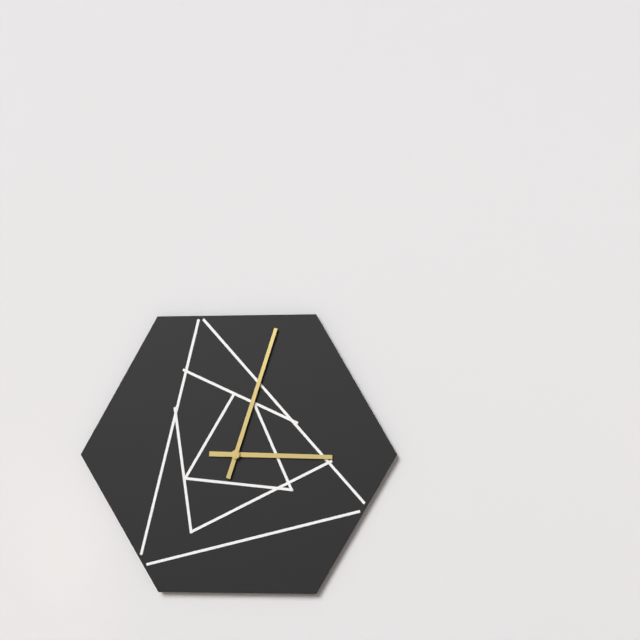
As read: 3h03
